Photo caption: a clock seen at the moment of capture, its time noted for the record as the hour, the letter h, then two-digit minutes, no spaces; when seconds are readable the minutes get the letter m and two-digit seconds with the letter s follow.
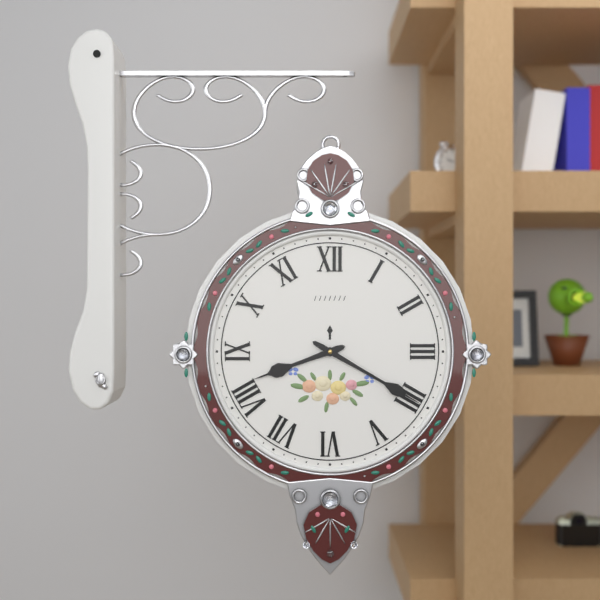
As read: 8h20
